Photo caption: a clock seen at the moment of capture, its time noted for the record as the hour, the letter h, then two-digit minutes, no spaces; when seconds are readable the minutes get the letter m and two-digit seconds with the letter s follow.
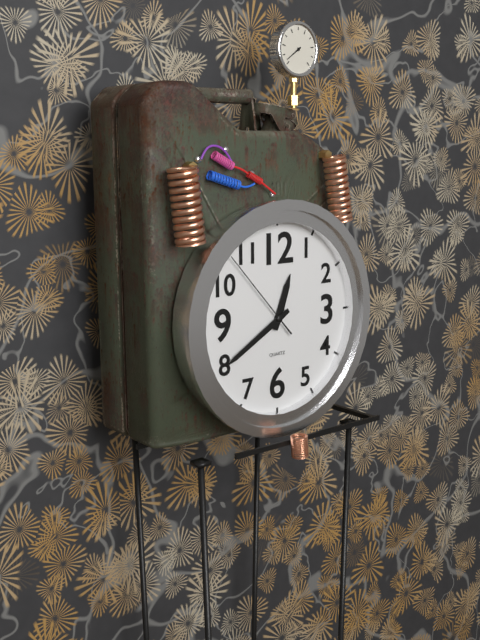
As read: 12h40m53s
